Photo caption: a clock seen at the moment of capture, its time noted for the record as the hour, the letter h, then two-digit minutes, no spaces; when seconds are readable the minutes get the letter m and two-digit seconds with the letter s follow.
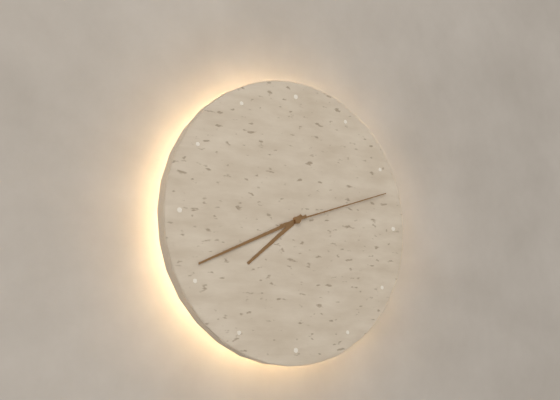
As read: 7h41m12s
